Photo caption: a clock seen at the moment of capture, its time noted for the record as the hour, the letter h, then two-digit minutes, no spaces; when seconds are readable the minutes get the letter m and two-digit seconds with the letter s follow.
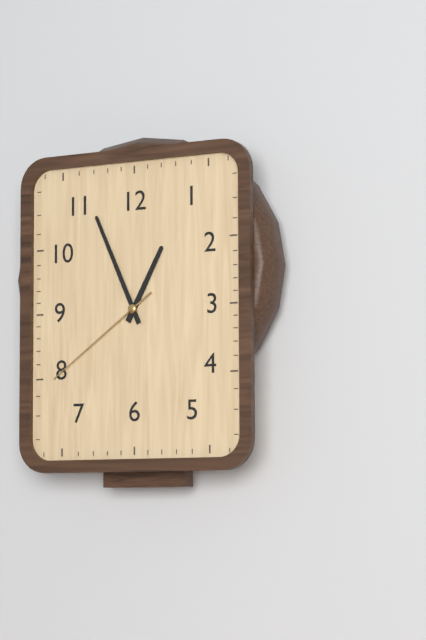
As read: 12h56m39s
